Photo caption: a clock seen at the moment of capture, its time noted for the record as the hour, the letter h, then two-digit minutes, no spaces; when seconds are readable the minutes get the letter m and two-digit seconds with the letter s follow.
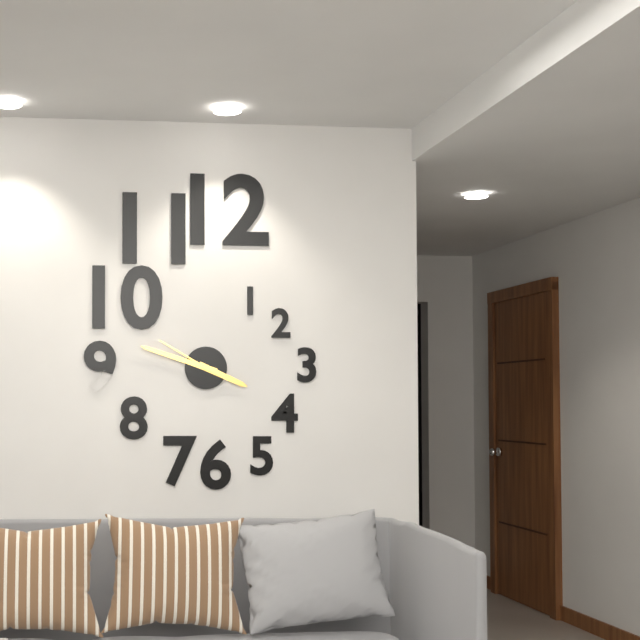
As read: 3h48m50s
